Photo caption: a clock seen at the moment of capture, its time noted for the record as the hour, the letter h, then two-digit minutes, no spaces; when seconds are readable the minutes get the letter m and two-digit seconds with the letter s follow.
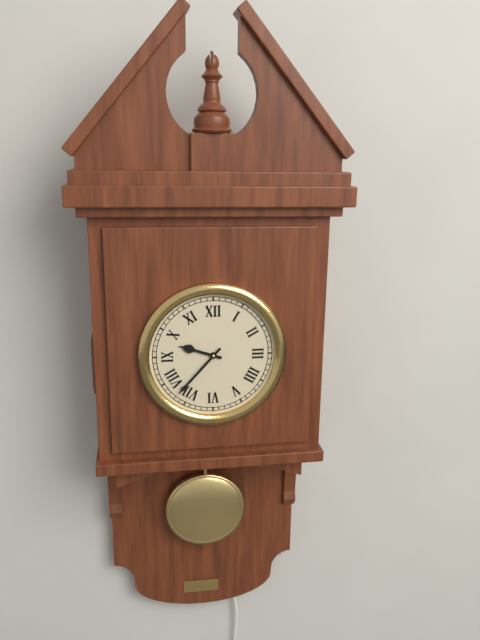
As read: 9h37
